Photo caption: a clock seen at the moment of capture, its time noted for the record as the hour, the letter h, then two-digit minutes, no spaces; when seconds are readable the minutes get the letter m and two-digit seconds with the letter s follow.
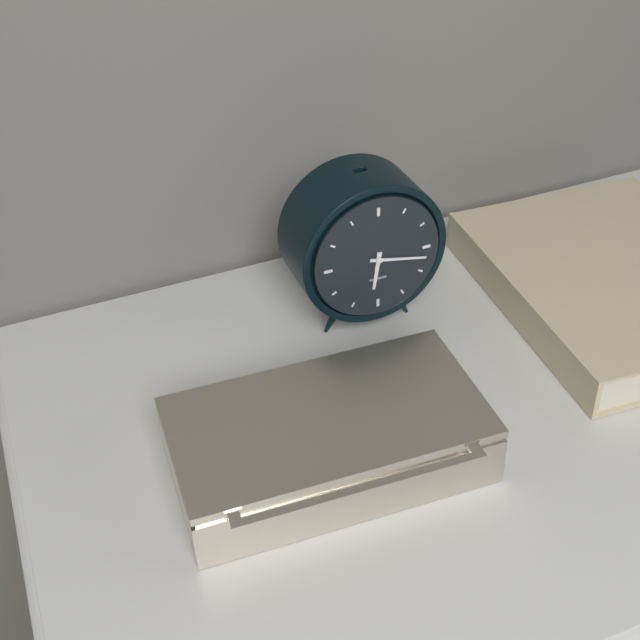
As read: 6h17
